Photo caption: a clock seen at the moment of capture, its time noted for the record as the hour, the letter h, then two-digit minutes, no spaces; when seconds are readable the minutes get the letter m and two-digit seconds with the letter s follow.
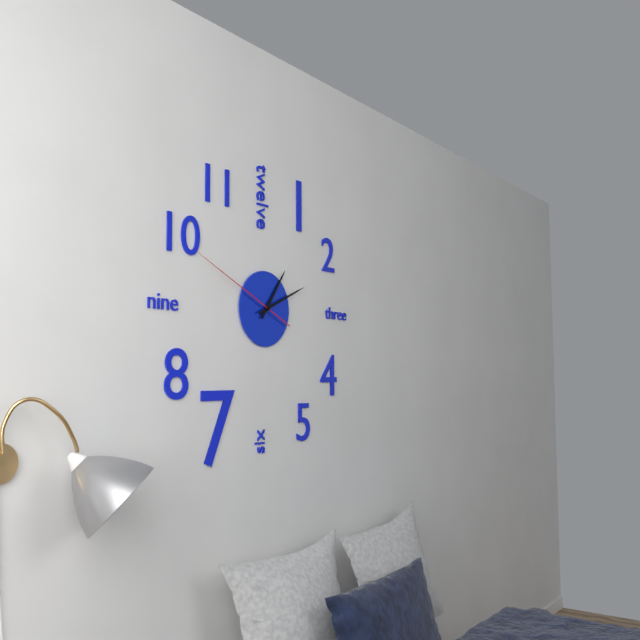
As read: 1h11m49s
